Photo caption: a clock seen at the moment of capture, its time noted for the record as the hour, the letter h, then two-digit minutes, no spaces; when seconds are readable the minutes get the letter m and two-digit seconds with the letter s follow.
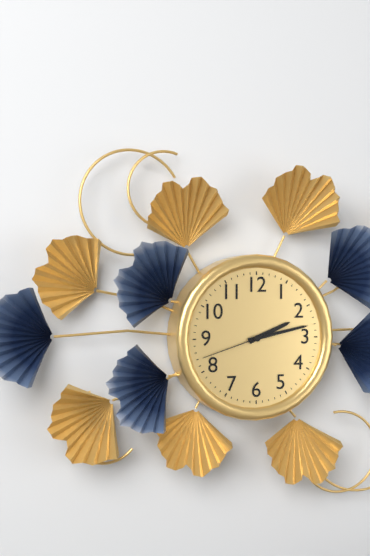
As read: 2h13m42s
